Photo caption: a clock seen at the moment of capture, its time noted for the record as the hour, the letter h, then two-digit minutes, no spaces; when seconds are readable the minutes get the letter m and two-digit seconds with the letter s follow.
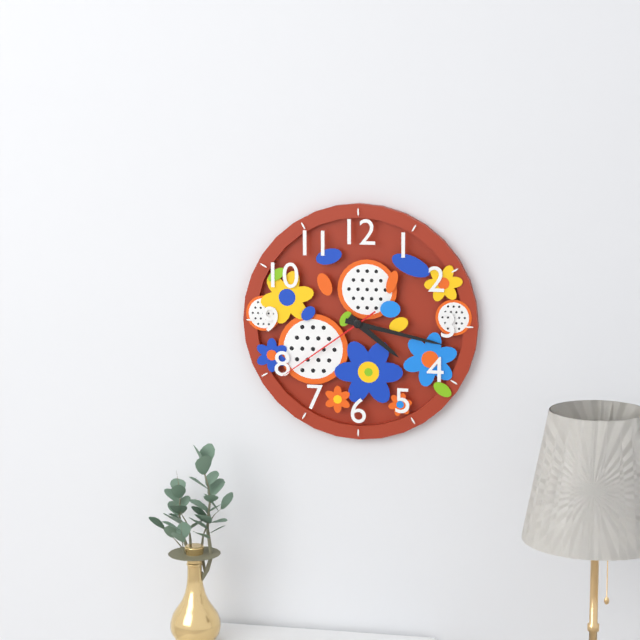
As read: 4h17m39s
